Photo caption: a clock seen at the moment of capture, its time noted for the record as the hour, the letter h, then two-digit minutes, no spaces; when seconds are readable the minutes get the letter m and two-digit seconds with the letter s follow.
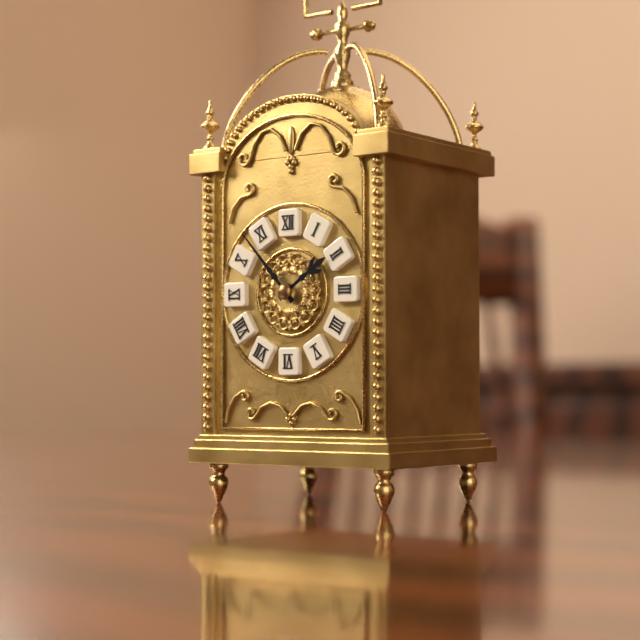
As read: 1h53
